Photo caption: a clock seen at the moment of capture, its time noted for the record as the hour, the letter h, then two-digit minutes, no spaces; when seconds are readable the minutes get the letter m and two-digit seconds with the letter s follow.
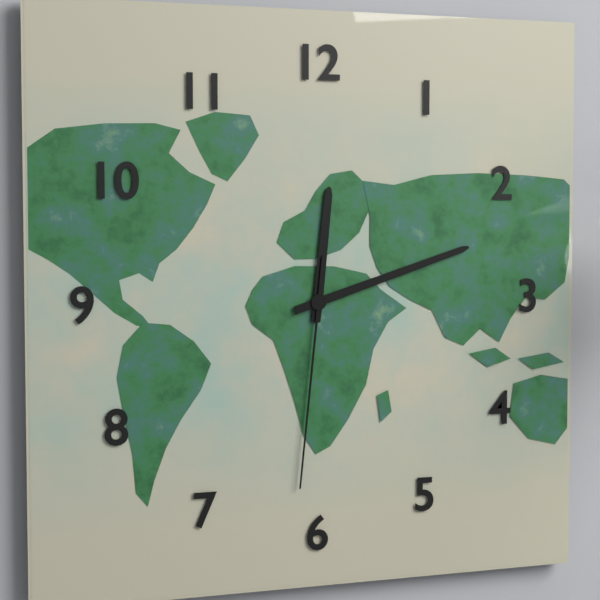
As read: 12h12m31s
